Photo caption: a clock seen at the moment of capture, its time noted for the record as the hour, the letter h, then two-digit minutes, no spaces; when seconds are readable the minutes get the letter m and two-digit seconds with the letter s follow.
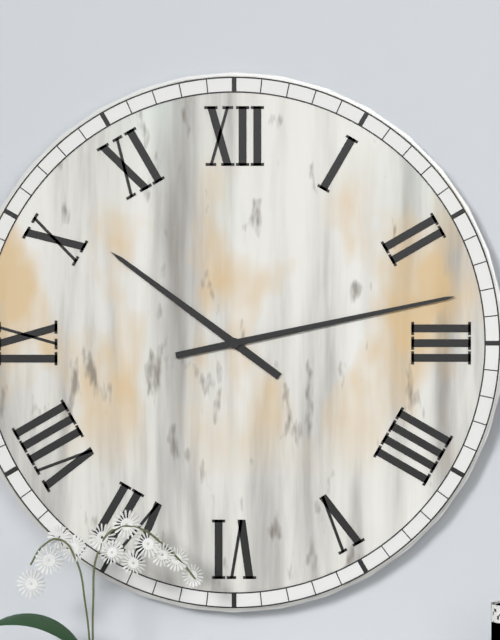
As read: 10h13
